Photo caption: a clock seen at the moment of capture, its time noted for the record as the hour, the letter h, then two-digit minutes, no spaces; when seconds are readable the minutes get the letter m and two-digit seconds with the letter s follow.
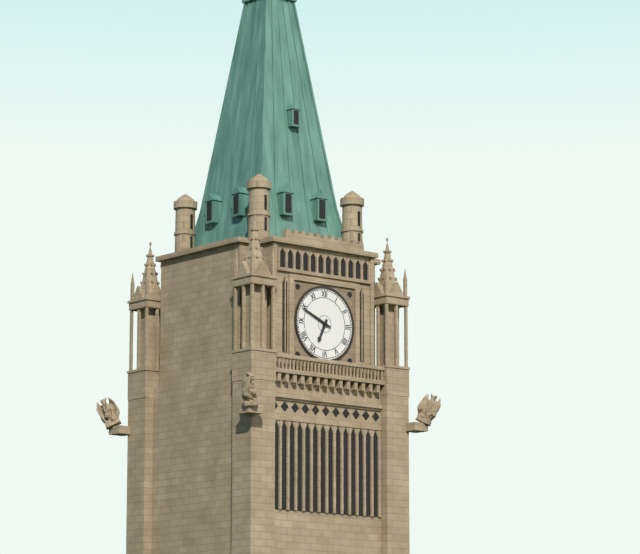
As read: 6h49
